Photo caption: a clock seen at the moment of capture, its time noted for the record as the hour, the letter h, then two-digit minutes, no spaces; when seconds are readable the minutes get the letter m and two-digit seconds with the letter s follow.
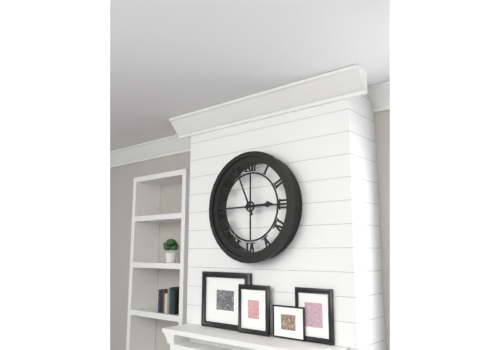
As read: 2h56
